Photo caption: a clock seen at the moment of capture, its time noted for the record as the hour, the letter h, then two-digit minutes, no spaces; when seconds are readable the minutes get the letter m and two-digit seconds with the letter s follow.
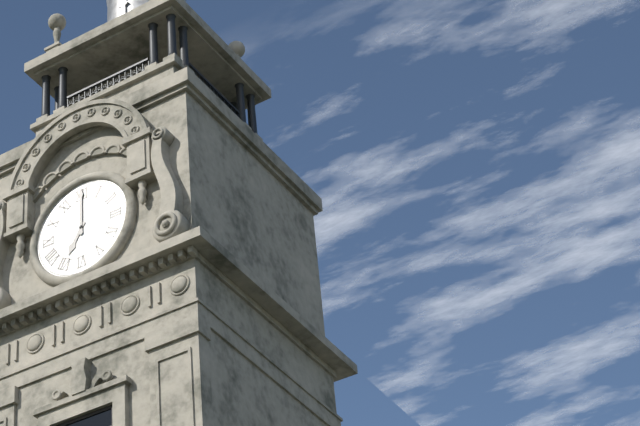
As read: 7h00
